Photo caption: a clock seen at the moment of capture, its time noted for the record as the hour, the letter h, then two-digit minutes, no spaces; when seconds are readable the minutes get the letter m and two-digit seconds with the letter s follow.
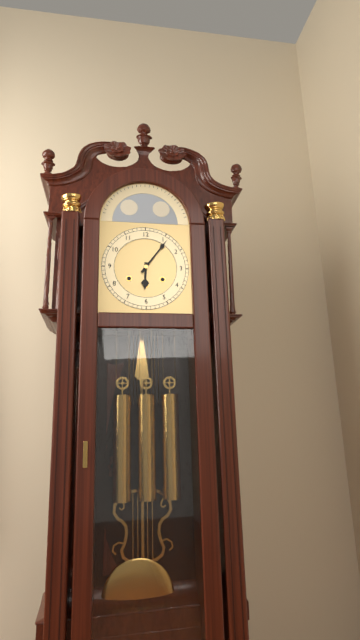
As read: 6h06
